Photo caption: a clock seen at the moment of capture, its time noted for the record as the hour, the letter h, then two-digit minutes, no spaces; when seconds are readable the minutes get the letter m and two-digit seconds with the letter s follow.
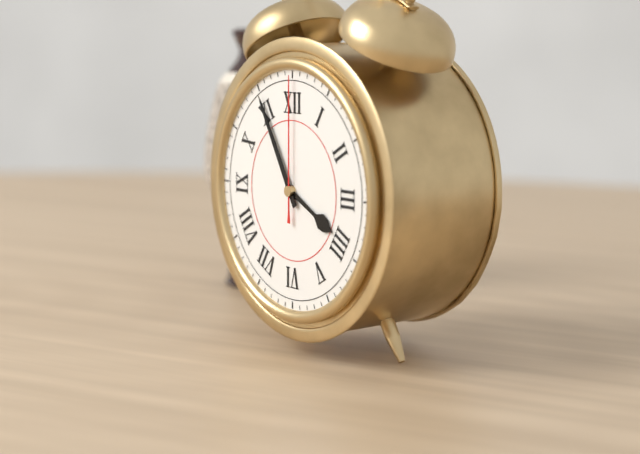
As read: 3h55m00s
